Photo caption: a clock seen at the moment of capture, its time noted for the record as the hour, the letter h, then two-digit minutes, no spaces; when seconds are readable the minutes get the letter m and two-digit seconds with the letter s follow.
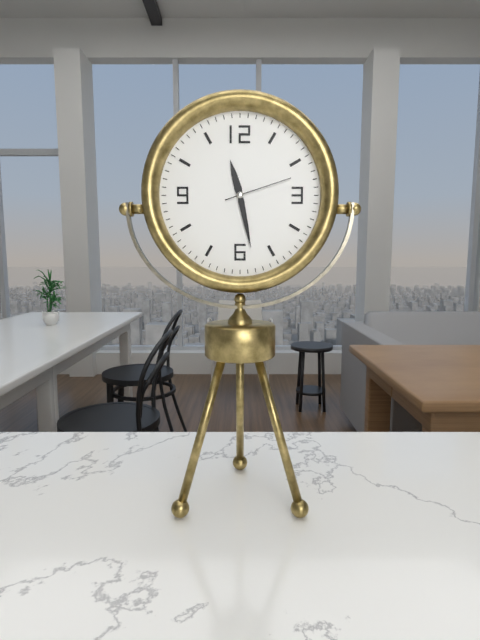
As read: 11h28m12s
